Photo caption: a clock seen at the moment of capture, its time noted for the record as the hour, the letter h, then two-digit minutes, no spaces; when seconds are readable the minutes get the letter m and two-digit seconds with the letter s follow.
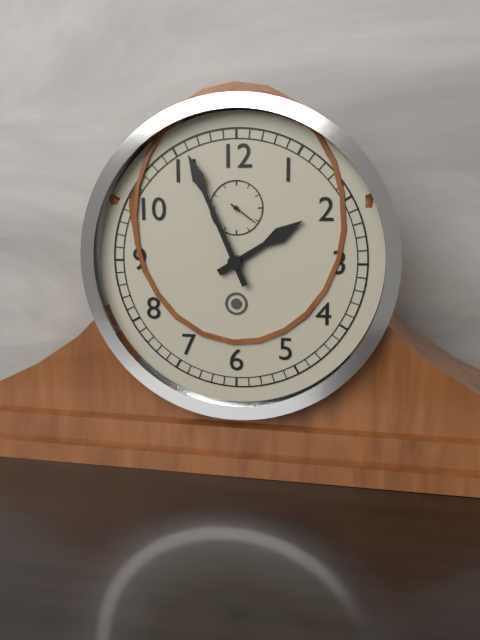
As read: 1h56
